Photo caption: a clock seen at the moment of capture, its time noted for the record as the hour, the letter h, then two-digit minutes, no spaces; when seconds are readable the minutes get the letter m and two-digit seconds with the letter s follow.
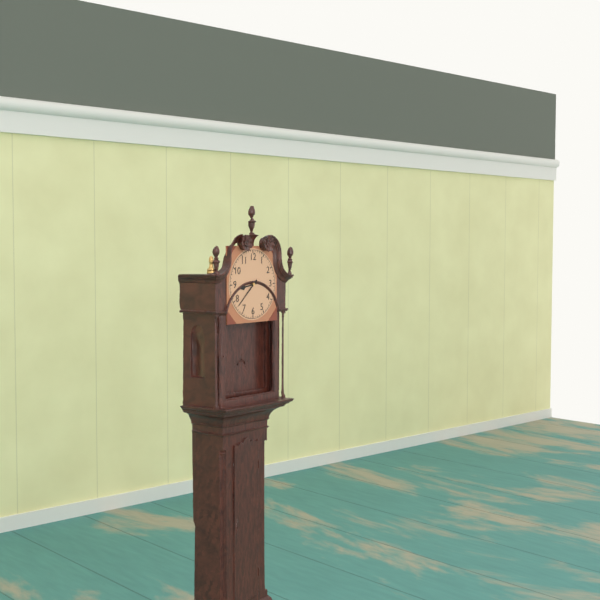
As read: 8h38
